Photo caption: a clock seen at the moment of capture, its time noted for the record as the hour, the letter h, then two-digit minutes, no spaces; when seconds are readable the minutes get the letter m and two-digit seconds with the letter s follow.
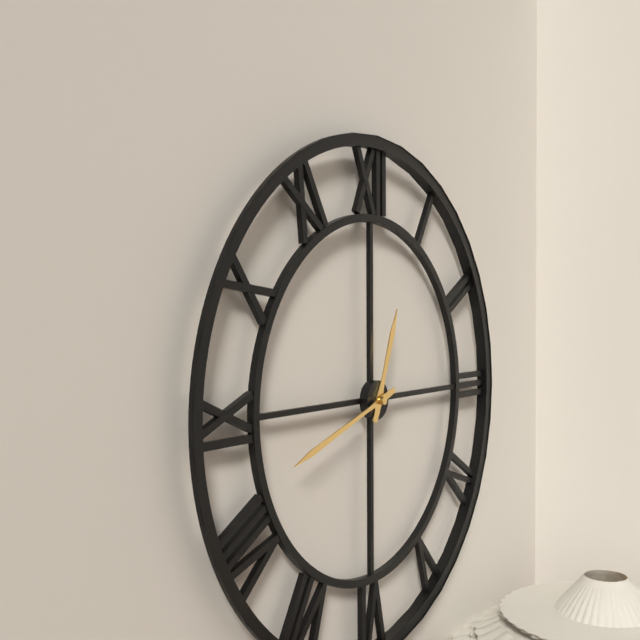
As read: 12h42
